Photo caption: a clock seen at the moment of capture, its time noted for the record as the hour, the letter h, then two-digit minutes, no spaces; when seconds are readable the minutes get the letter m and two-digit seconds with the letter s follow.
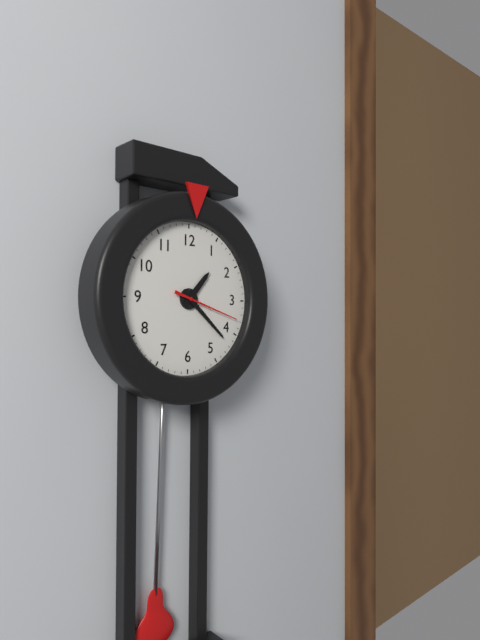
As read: 1h22m18s
